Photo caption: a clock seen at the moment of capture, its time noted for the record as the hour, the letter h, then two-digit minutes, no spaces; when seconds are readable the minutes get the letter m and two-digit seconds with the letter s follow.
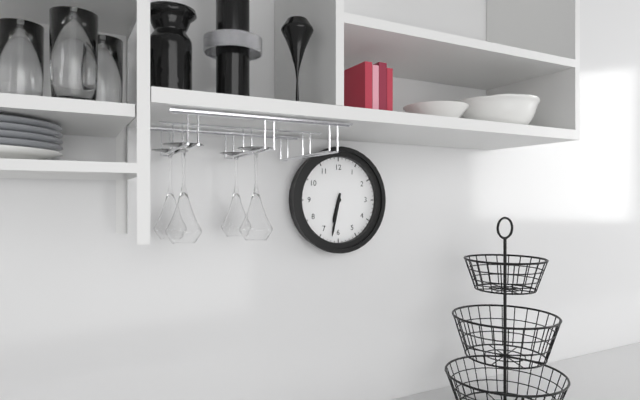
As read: 6h32
